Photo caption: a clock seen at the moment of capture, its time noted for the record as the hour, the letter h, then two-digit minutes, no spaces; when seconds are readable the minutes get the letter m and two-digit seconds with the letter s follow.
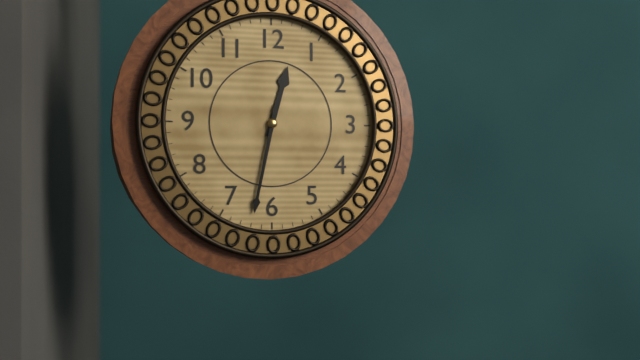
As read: 12h32
